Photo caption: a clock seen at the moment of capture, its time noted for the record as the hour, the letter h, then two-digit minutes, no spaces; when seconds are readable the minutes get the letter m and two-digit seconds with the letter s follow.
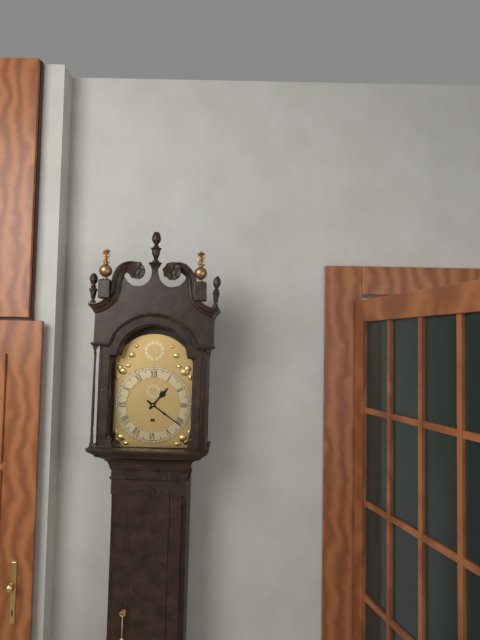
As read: 1h21
